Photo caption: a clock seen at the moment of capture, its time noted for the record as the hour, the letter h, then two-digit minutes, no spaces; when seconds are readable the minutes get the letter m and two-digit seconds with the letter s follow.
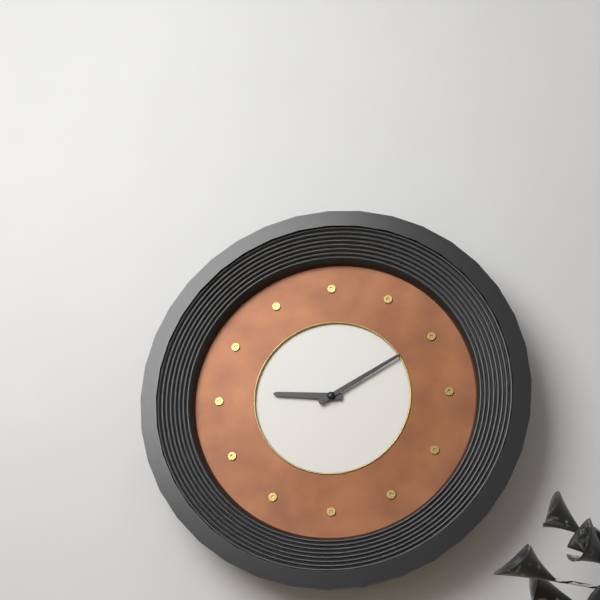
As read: 9h10
